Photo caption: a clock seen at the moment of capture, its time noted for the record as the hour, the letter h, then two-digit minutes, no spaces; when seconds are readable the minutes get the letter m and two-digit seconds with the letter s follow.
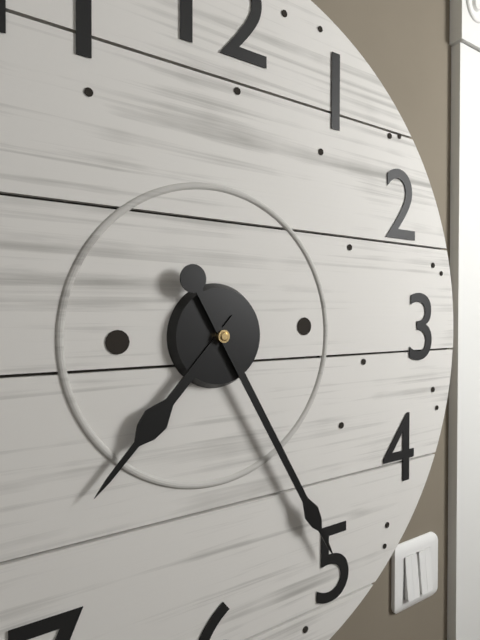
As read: 7h25
